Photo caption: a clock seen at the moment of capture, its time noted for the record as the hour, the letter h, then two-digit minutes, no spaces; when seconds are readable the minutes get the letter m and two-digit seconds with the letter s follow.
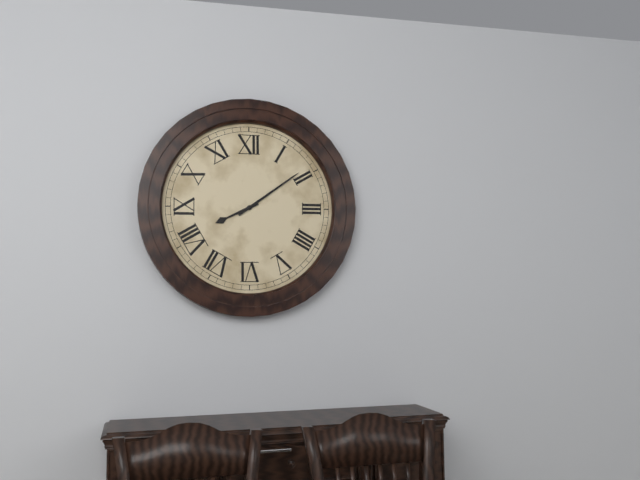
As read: 8h09
